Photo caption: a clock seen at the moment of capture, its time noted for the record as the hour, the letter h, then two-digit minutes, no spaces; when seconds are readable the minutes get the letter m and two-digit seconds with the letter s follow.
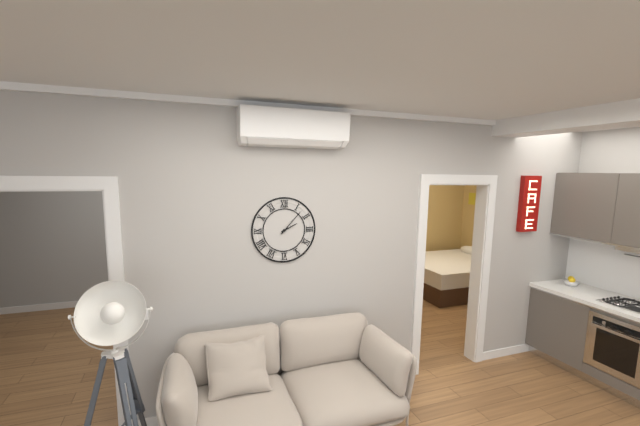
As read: 2h07
